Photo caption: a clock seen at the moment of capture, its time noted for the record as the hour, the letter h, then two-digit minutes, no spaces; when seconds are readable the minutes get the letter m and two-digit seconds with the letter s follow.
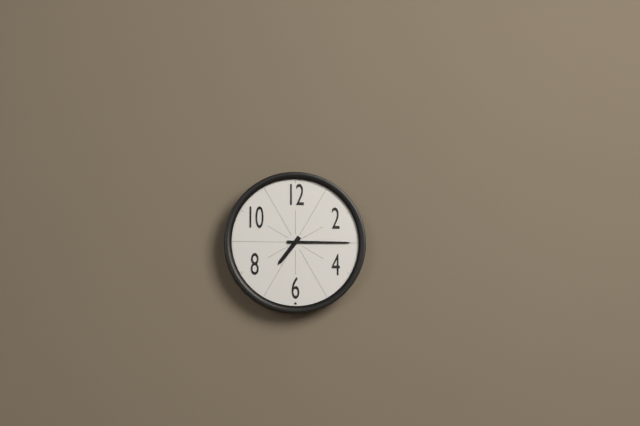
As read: 7h15
